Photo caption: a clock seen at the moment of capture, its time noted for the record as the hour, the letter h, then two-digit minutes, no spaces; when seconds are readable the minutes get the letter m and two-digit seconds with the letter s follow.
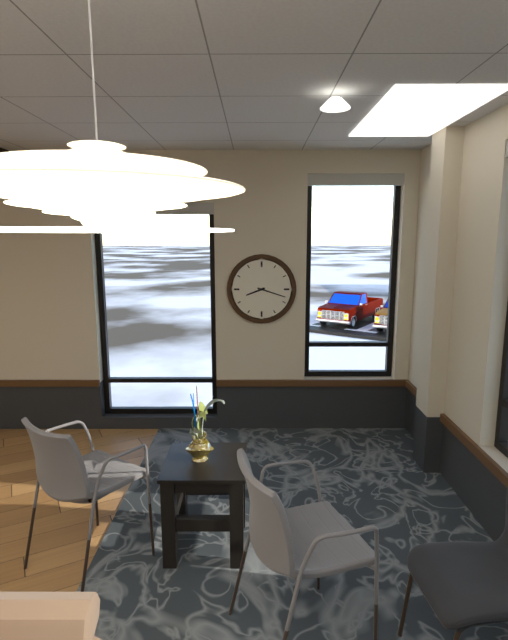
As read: 8h18
